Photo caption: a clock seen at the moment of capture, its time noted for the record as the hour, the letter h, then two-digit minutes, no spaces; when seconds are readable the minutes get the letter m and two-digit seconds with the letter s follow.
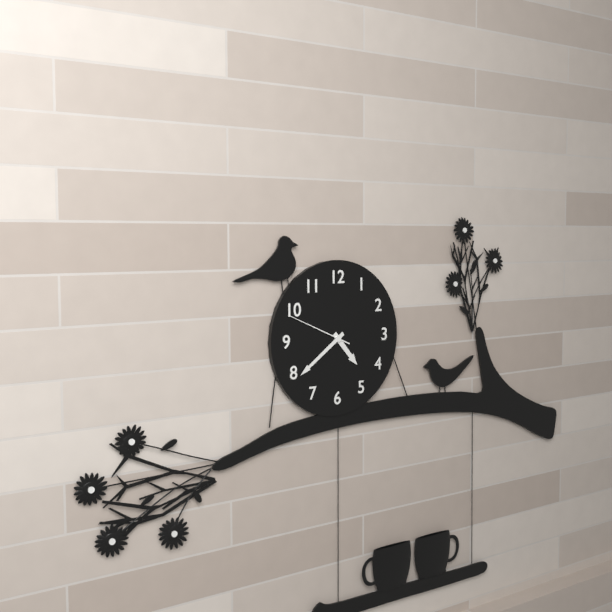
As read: 4h39m49s
